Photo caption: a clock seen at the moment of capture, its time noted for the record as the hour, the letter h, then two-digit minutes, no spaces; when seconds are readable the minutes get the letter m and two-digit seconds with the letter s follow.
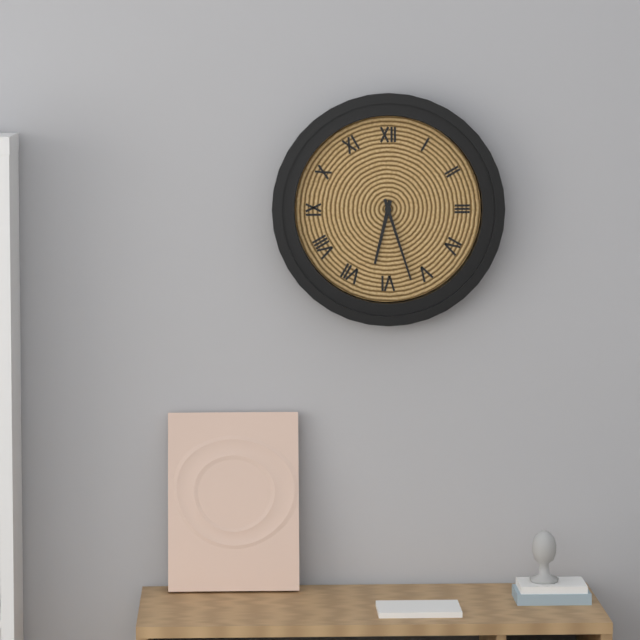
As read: 6h27
